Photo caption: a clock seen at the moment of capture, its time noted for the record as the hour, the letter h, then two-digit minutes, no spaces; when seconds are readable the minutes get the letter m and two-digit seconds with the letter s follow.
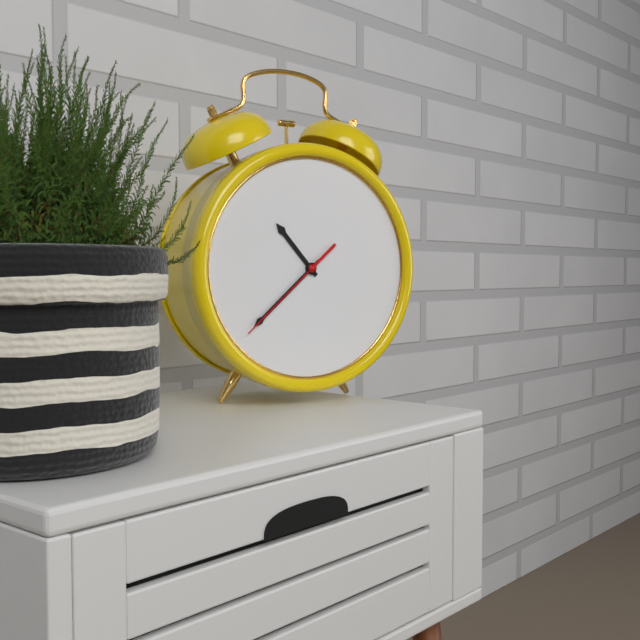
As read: 10h38m38s
